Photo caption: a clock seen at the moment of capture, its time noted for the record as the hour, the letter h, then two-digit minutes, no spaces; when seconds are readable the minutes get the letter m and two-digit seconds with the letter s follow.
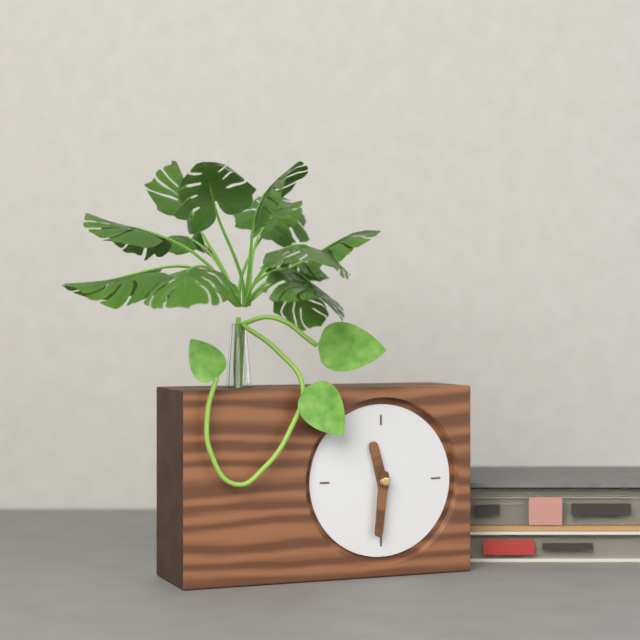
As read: 11h31
